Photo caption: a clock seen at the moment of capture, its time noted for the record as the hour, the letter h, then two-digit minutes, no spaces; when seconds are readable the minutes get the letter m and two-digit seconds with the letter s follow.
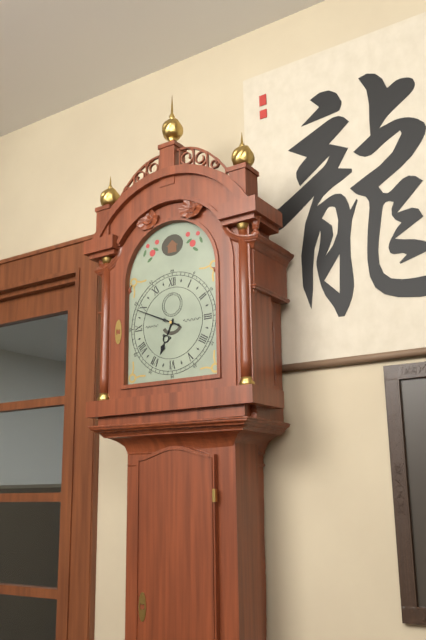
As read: 6h49
